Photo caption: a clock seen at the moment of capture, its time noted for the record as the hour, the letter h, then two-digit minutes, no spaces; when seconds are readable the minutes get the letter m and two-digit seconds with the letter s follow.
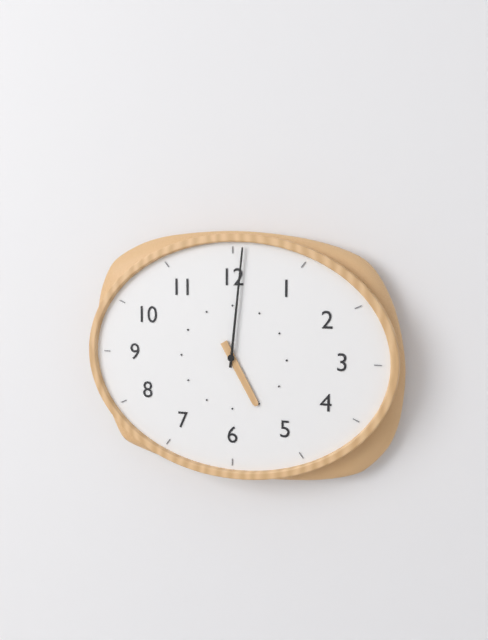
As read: 5h01
